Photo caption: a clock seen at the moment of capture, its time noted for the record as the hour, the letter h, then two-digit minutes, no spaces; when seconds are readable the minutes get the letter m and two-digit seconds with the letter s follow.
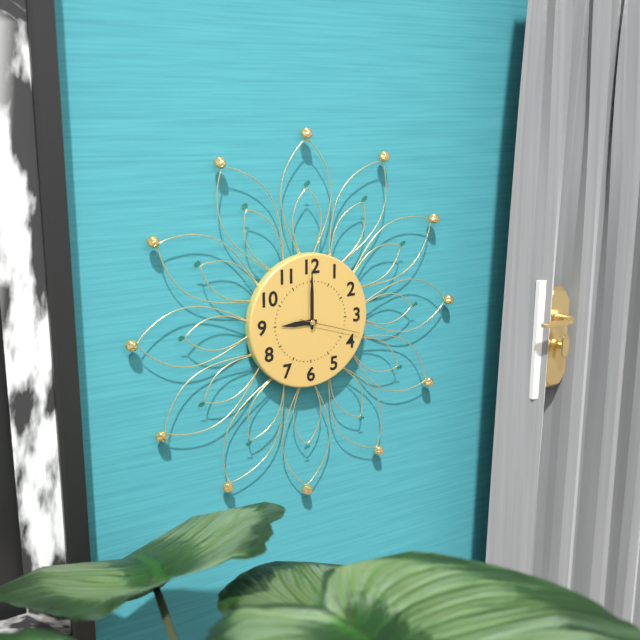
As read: 9h00m18s
